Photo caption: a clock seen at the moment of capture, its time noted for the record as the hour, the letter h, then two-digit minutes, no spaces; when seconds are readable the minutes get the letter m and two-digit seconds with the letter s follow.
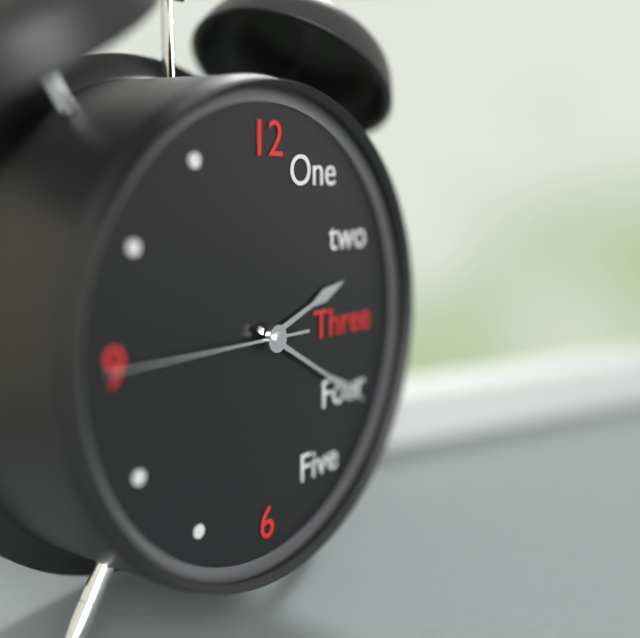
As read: 2h20m45s
